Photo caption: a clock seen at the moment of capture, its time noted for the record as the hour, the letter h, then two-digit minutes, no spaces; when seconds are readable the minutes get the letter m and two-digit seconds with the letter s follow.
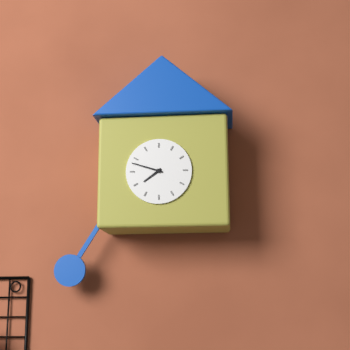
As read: 7h48
